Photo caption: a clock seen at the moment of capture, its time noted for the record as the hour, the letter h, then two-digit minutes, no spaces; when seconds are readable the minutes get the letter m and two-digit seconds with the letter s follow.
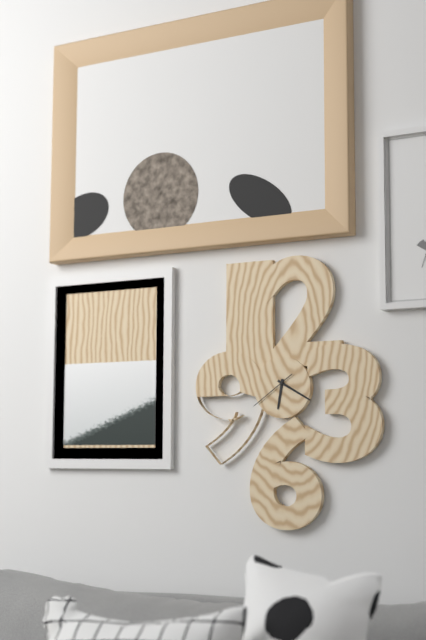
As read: 6h20
